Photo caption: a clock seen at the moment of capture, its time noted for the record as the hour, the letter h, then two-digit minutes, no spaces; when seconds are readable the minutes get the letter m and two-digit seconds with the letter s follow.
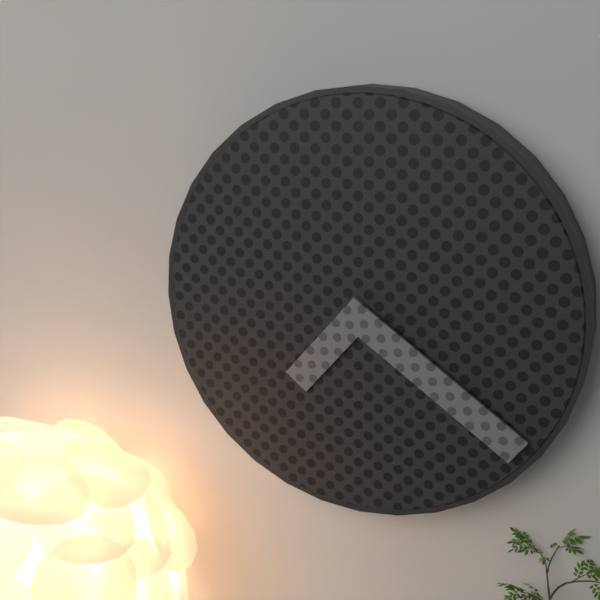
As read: 7h21
